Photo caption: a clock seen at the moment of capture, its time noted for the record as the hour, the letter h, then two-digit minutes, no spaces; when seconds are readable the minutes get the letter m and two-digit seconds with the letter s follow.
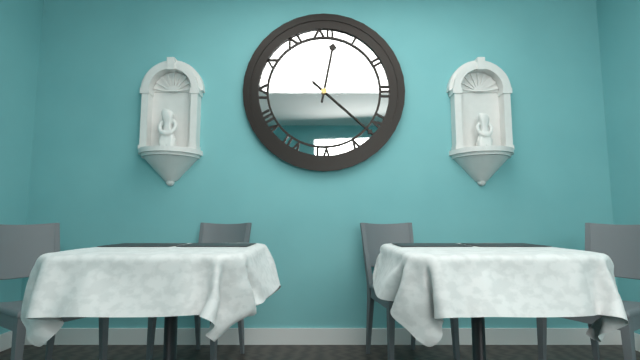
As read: 12h22
